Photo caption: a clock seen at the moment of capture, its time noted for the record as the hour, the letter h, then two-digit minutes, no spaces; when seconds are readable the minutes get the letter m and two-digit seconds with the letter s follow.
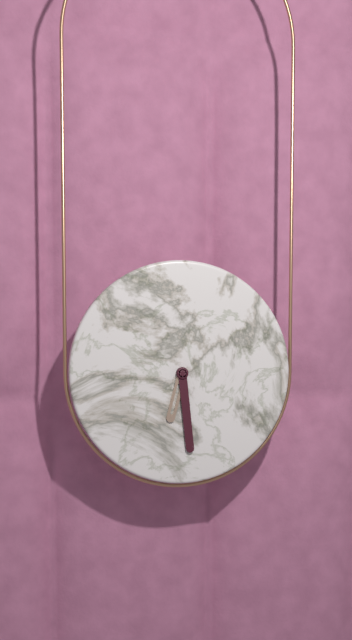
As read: 6h29
